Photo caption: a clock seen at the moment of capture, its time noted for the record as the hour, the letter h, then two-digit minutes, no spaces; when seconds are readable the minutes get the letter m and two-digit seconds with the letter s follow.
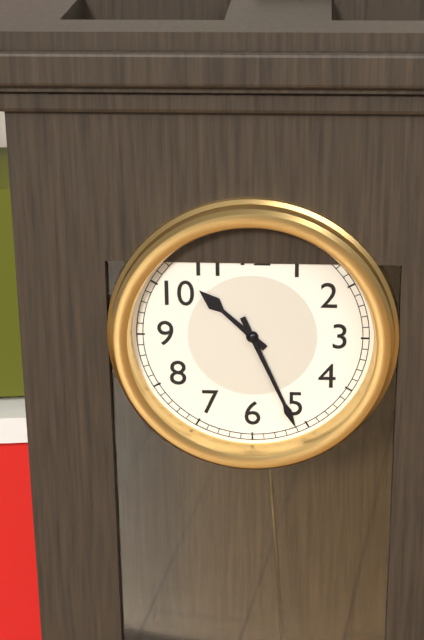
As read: 10h26
